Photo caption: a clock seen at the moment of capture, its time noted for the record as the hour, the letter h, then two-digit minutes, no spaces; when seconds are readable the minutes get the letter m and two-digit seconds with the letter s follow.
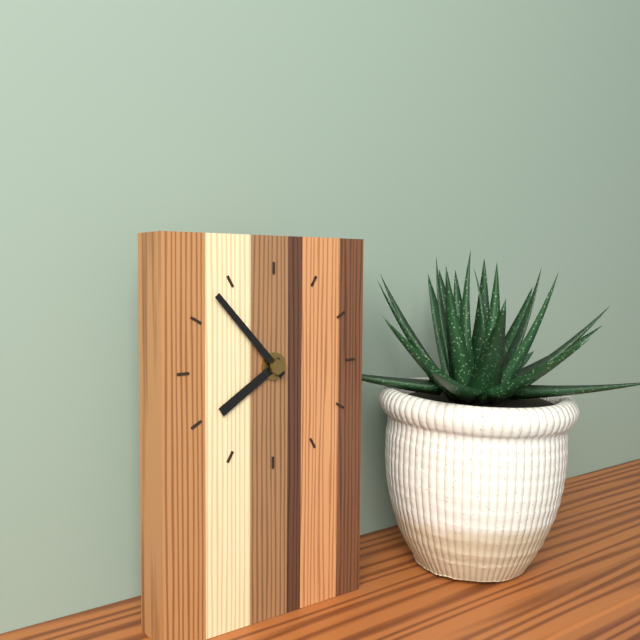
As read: 7h53
